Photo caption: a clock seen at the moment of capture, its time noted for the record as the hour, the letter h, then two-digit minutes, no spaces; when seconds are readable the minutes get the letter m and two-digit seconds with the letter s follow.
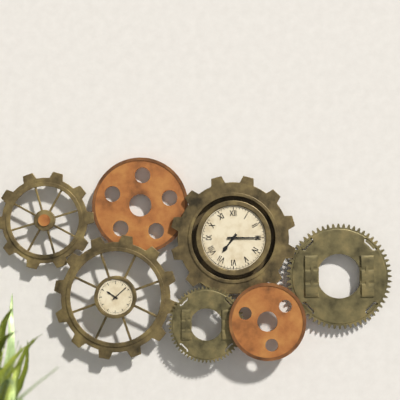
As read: 7h15
